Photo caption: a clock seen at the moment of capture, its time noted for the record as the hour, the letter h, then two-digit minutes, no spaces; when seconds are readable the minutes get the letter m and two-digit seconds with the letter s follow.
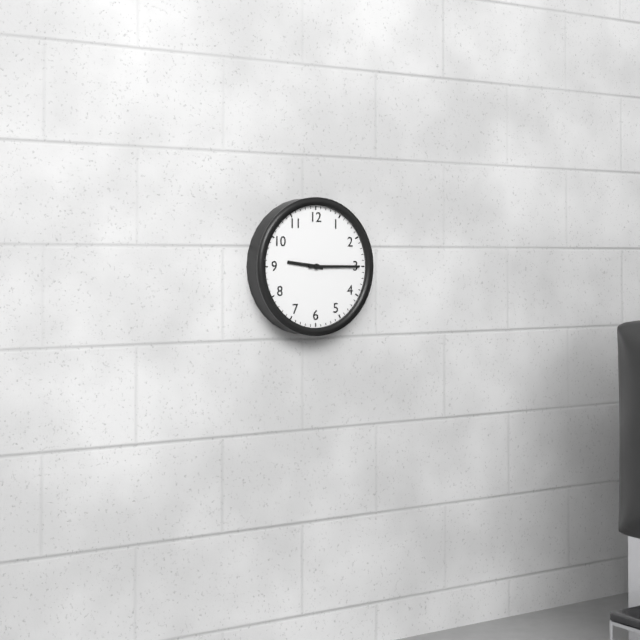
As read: 9h15
